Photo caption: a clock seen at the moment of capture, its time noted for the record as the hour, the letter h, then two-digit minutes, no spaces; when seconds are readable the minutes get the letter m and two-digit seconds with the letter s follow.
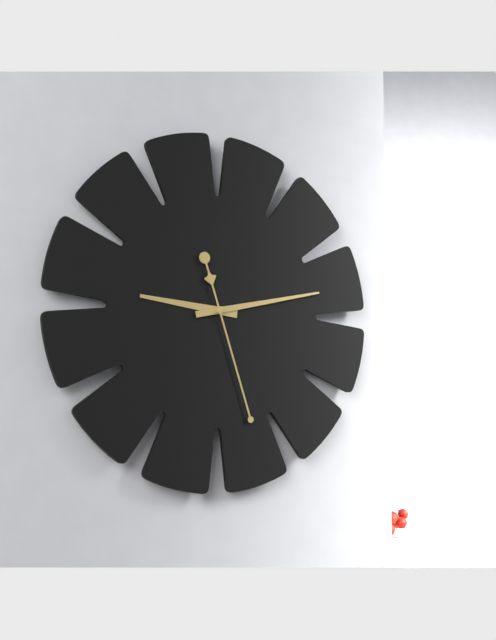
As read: 9h13m27s
